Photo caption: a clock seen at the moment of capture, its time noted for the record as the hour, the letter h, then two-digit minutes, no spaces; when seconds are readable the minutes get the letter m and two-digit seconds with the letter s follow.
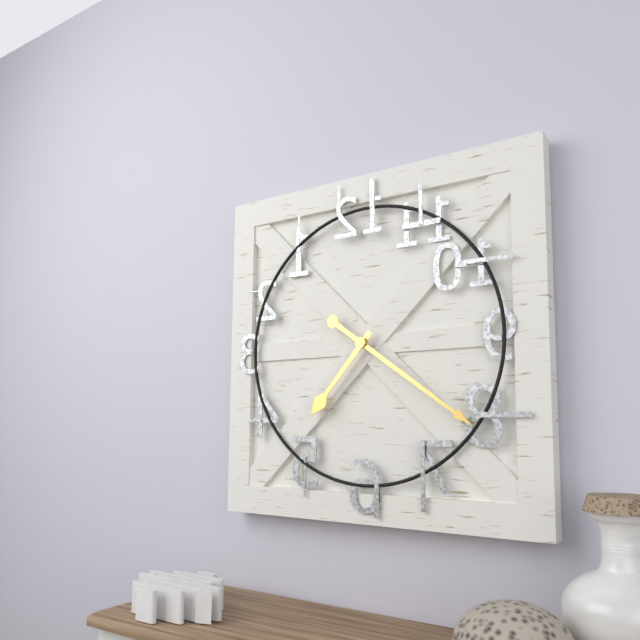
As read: 7h21
